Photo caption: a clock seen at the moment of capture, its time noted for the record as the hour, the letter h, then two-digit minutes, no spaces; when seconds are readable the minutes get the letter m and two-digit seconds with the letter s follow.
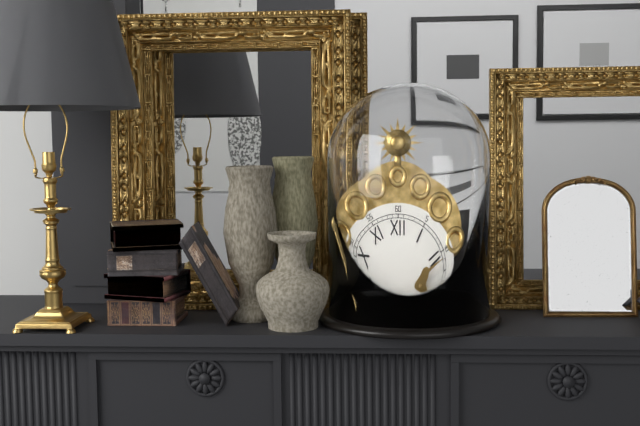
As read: 9h11
